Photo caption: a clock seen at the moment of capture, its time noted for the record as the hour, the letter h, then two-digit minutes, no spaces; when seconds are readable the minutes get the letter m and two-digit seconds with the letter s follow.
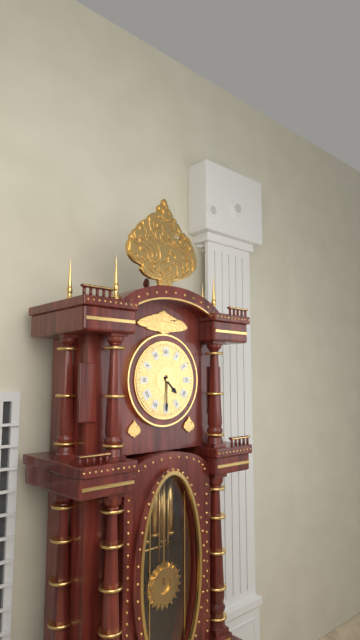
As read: 4h30
